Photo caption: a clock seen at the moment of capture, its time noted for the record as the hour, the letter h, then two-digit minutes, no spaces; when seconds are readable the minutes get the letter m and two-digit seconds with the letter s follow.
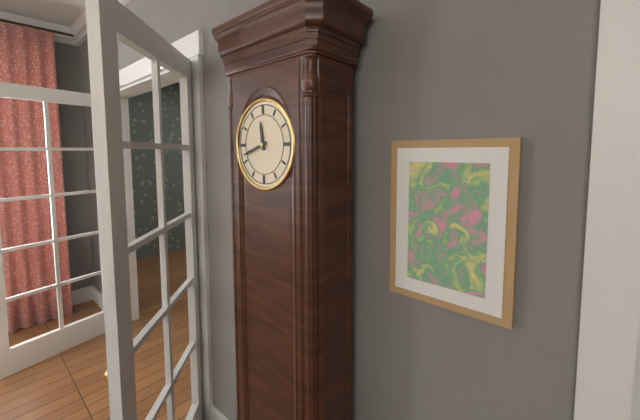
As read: 11h42
